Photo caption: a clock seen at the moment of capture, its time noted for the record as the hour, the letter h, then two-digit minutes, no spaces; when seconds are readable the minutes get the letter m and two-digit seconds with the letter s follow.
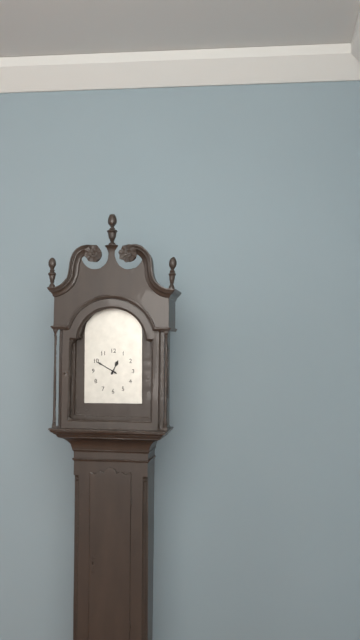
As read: 12h50
